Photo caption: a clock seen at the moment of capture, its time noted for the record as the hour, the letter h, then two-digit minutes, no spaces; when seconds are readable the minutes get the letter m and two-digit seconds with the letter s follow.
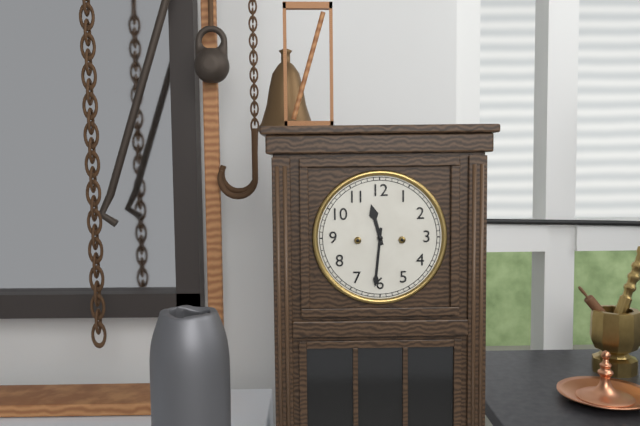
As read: 11h31
